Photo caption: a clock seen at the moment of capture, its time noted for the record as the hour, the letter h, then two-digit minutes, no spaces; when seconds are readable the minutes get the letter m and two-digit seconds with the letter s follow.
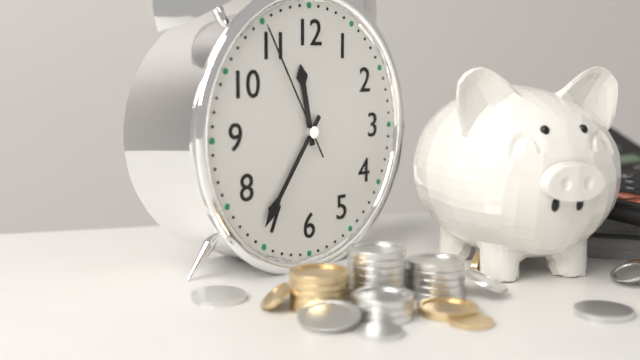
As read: 11h36m55s
